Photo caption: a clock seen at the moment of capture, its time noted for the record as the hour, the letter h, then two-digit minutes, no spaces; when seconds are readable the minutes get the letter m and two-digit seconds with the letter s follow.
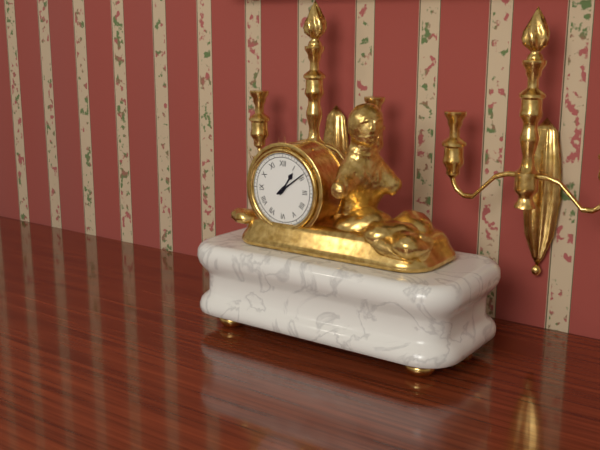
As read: 1h09
